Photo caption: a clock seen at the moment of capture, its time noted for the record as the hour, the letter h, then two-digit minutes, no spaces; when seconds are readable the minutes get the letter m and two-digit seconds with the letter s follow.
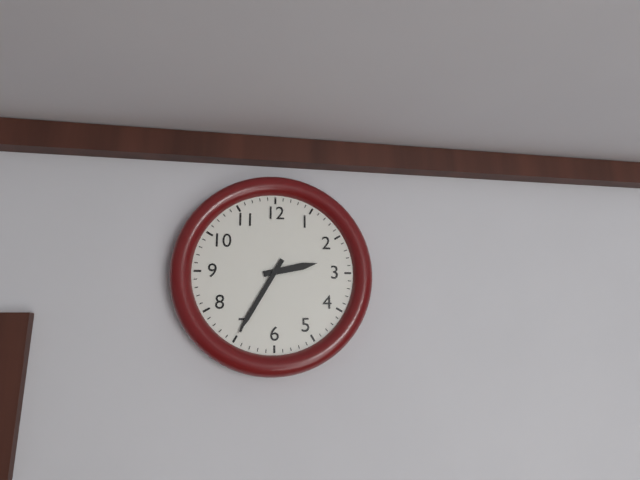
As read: 2h35
